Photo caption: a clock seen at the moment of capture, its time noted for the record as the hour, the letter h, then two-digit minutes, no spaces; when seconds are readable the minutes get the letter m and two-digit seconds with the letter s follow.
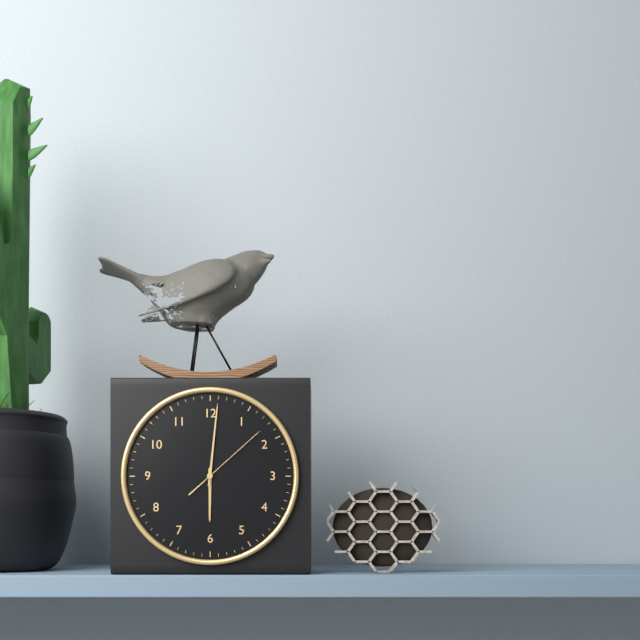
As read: 6h01m08s
